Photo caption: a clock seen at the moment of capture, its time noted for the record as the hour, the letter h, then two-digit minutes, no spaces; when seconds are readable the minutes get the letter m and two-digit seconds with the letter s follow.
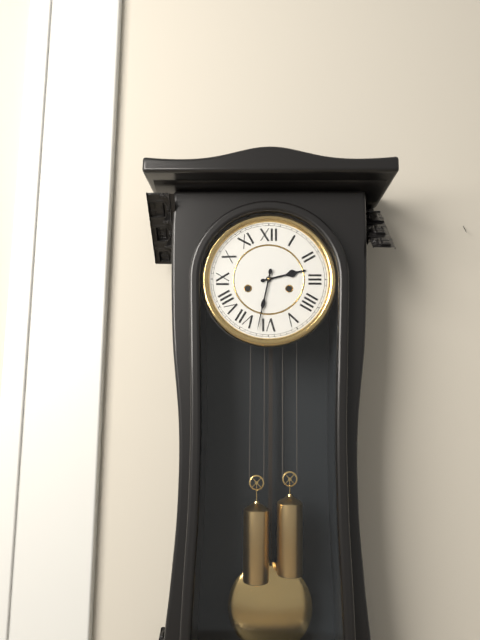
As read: 2h32
